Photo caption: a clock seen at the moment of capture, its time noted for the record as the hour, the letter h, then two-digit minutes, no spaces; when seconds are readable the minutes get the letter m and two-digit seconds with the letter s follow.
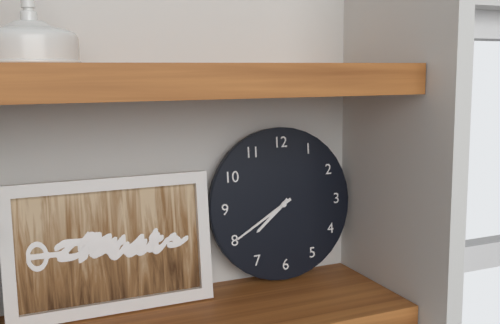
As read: 7h40
